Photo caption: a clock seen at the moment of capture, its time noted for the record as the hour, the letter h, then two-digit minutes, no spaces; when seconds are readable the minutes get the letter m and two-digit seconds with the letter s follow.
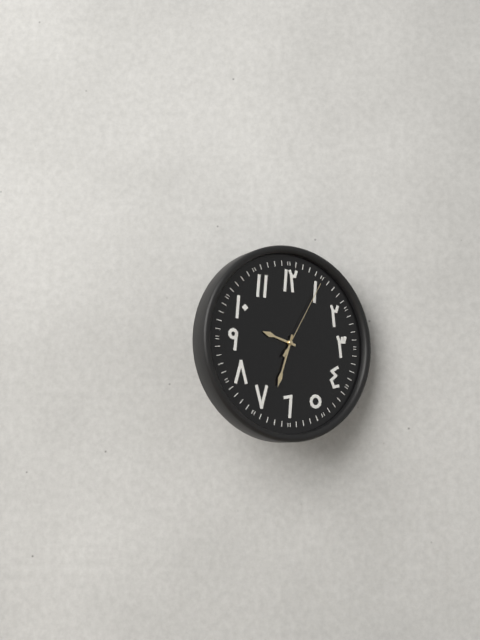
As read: 9h33m05s
